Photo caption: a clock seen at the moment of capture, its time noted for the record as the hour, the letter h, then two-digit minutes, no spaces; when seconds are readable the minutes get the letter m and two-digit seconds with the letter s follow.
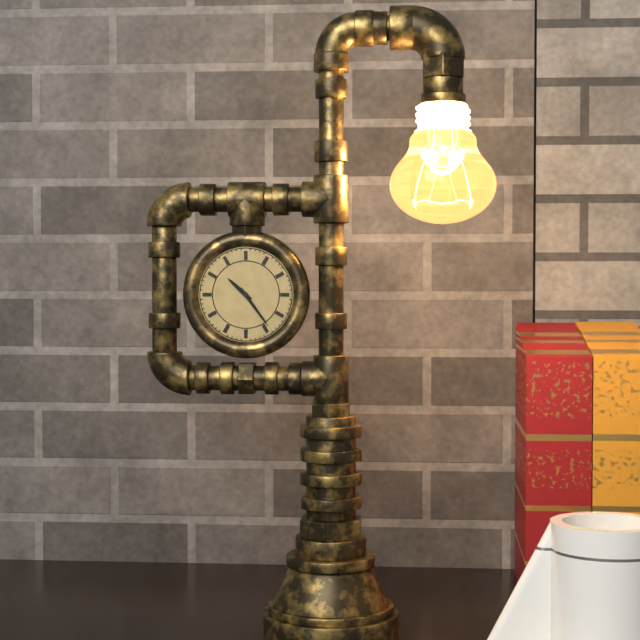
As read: 10h24
